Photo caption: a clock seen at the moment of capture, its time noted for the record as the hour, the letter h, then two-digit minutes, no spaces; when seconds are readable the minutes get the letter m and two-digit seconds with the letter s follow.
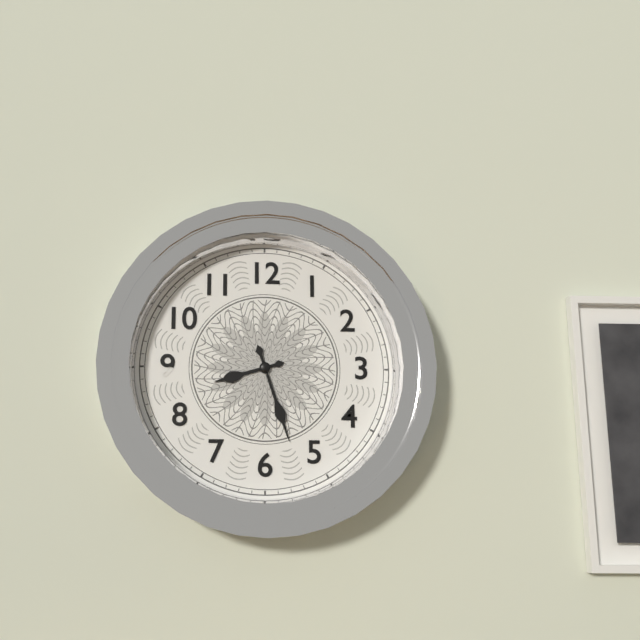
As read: 8h27
